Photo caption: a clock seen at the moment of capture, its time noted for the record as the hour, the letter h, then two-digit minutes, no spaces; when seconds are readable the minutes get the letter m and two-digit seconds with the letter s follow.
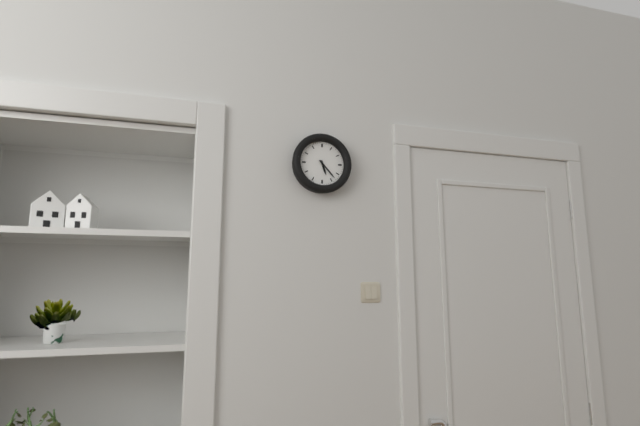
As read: 5h23
